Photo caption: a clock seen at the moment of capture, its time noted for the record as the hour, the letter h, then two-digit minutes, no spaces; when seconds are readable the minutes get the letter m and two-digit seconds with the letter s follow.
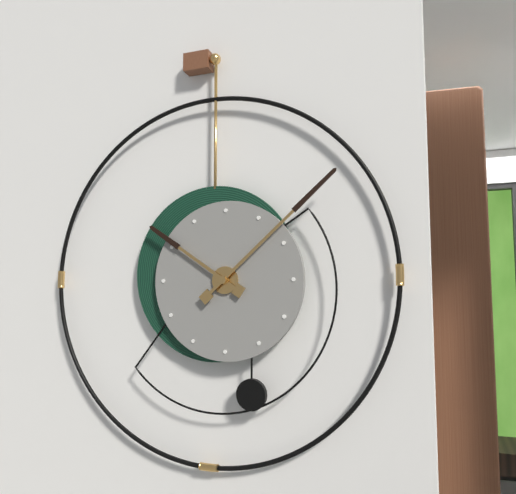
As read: 10h08
